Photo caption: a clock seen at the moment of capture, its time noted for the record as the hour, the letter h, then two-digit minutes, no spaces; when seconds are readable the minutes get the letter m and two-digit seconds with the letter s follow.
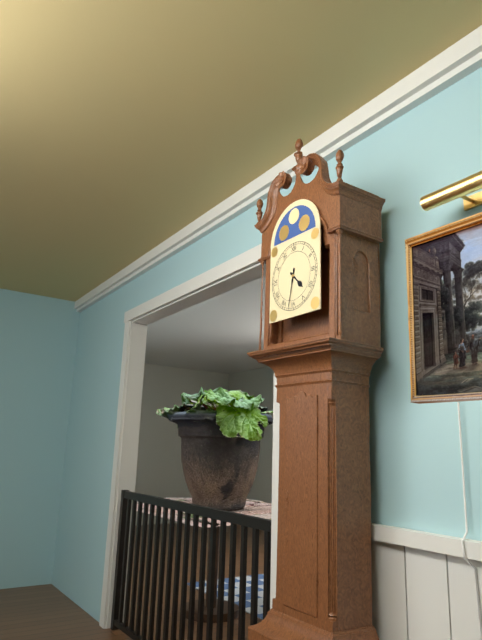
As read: 4h32
